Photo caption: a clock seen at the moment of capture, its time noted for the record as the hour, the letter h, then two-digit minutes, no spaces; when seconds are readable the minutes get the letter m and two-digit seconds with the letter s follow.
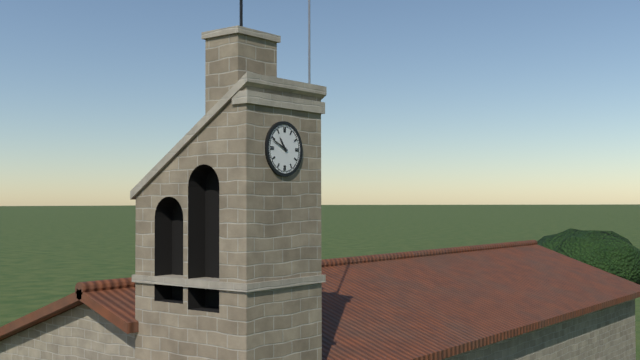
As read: 10h49
